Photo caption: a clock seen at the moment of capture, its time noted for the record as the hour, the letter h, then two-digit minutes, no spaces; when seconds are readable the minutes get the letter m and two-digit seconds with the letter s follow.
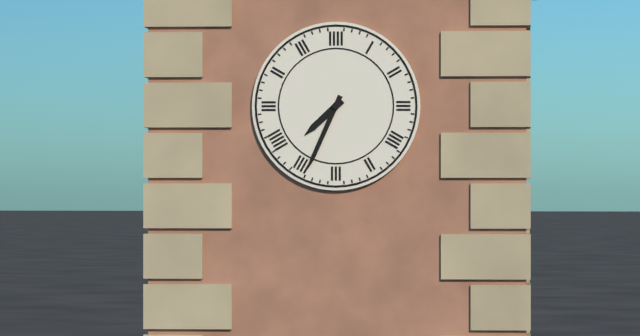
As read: 7h34
